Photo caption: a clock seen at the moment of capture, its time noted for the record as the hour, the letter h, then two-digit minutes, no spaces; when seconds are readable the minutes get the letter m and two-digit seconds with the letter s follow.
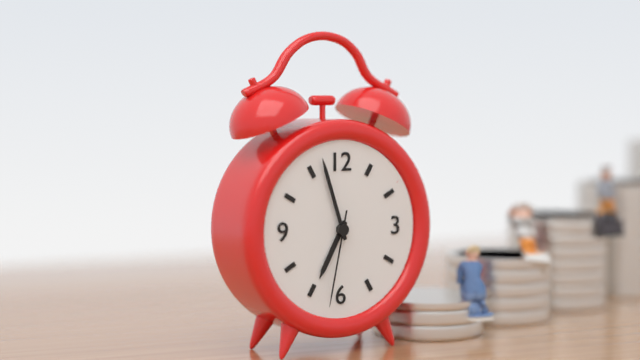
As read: 6h57m32s
